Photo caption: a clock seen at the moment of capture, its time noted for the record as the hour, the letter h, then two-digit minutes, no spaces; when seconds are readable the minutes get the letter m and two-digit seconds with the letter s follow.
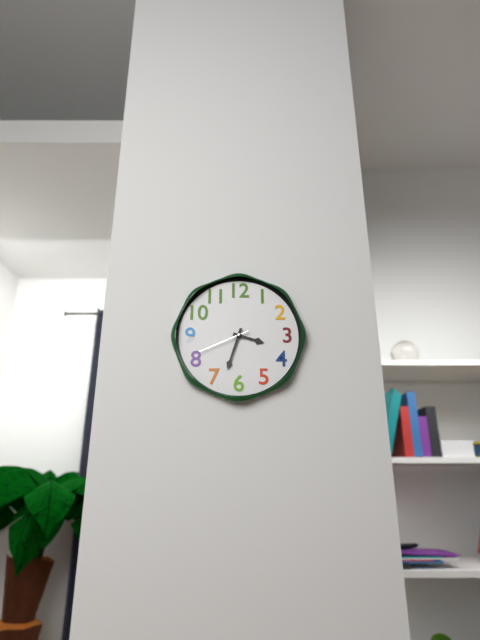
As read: 3h33m41s
